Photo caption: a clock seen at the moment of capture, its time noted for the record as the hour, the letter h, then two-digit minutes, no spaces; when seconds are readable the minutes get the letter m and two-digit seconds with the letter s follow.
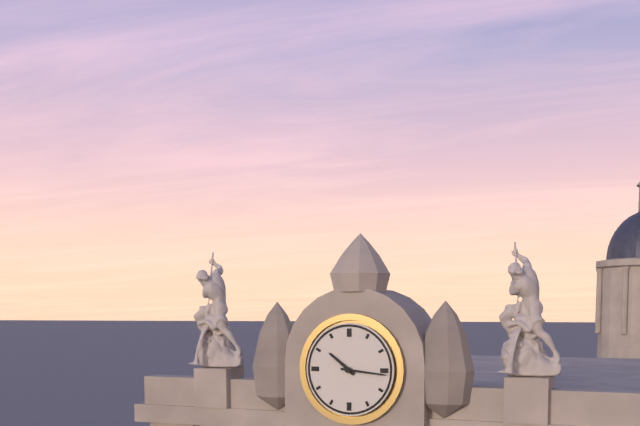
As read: 10h16
